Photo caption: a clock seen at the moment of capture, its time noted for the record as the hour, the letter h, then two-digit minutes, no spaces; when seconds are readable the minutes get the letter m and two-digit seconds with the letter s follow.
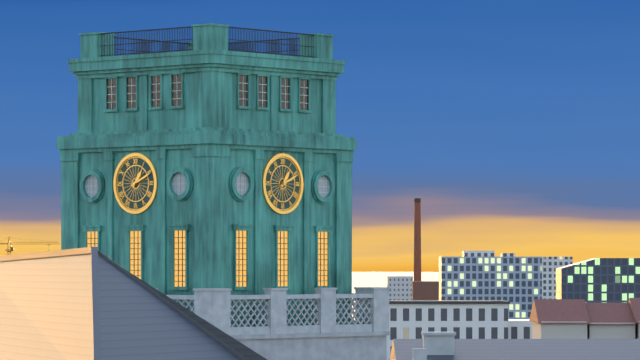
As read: 1h11
